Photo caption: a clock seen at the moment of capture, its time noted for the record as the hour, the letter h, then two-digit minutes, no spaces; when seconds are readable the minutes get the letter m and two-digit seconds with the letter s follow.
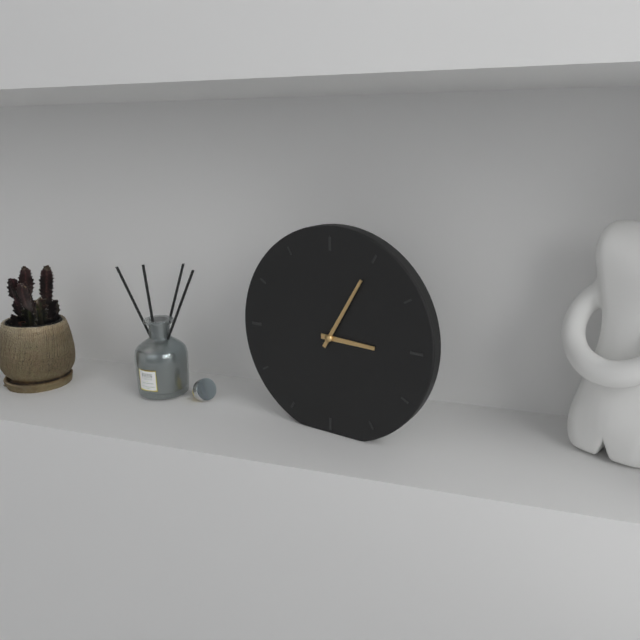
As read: 3h05
